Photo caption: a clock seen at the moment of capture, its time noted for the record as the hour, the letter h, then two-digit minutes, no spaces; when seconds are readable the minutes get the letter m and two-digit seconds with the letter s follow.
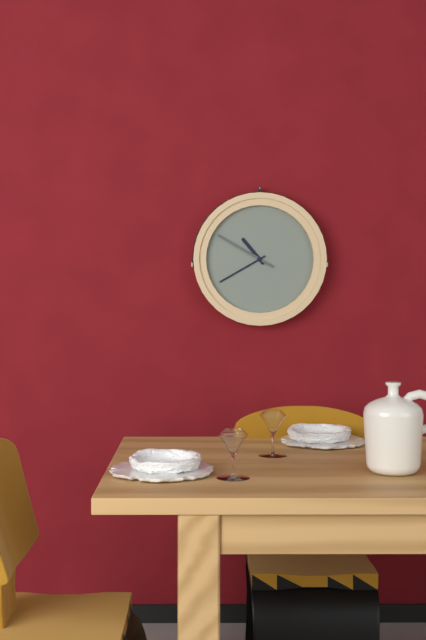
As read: 10h40m50s
